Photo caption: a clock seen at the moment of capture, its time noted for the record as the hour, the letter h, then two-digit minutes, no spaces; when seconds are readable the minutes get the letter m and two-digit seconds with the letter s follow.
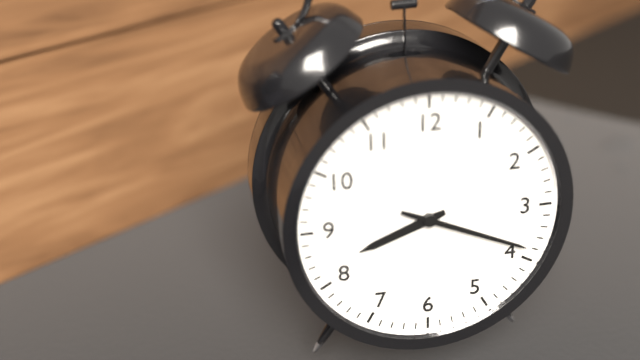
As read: 8h19
